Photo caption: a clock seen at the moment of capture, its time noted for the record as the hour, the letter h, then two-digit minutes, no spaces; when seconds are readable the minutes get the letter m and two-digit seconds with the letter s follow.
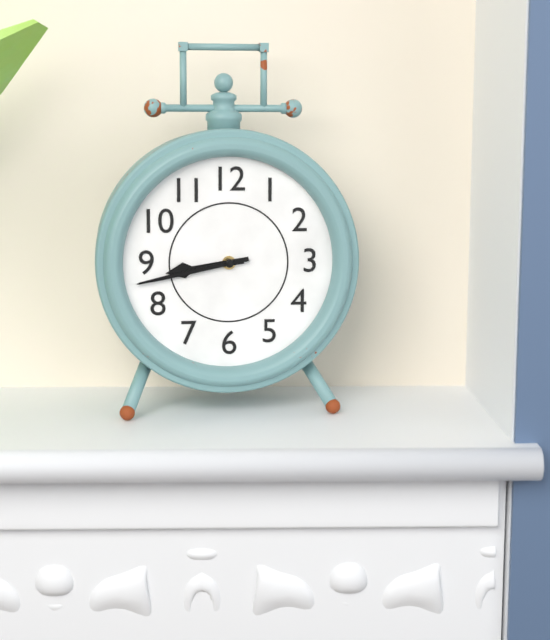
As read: 8h43
